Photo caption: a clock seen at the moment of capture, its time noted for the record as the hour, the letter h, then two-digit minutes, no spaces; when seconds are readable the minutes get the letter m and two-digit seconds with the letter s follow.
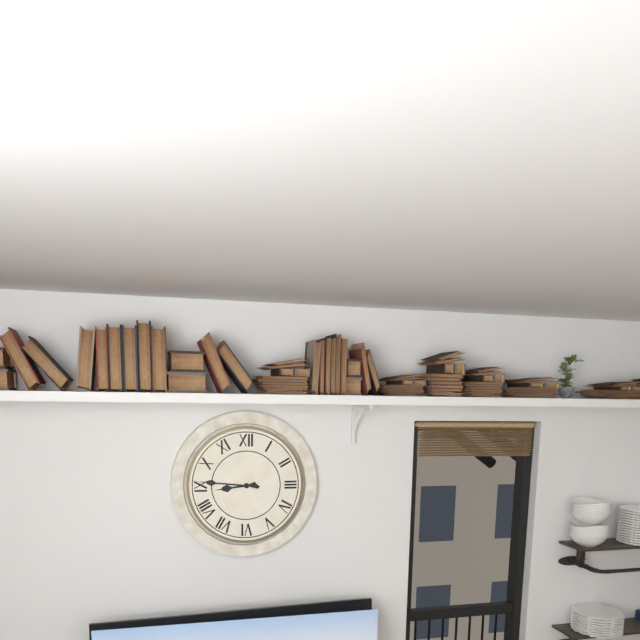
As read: 8h46
